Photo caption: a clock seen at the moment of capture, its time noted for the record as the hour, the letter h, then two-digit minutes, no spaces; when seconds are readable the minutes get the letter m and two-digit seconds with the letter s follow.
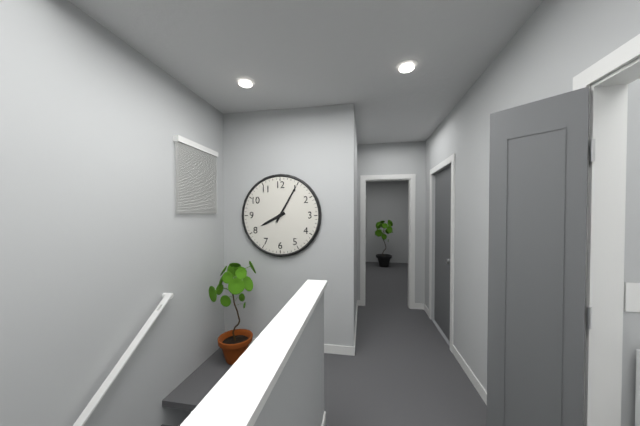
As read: 8h05
